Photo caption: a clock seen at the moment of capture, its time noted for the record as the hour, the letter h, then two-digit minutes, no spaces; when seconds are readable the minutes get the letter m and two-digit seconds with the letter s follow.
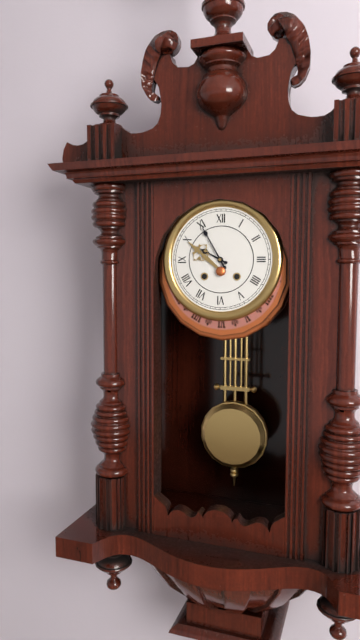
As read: 9h55
